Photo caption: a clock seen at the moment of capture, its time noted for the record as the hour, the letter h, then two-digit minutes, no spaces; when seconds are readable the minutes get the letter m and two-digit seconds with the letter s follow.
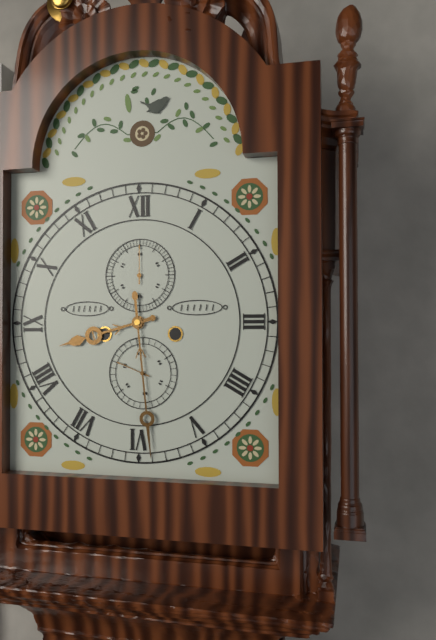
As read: 8h29
